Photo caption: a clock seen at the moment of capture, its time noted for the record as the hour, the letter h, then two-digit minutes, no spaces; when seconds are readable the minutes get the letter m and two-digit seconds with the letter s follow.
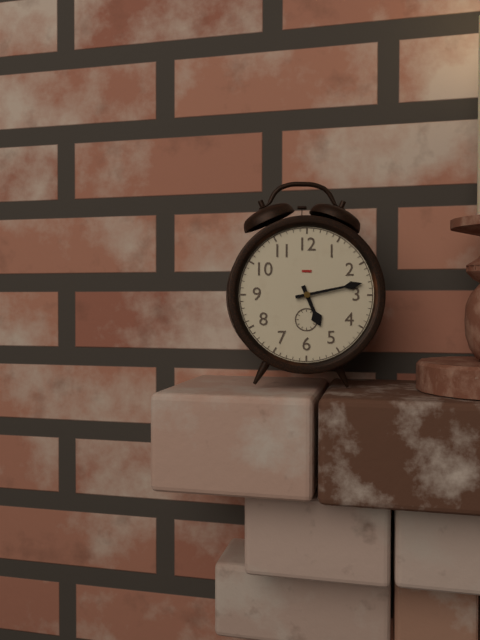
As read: 5h13
